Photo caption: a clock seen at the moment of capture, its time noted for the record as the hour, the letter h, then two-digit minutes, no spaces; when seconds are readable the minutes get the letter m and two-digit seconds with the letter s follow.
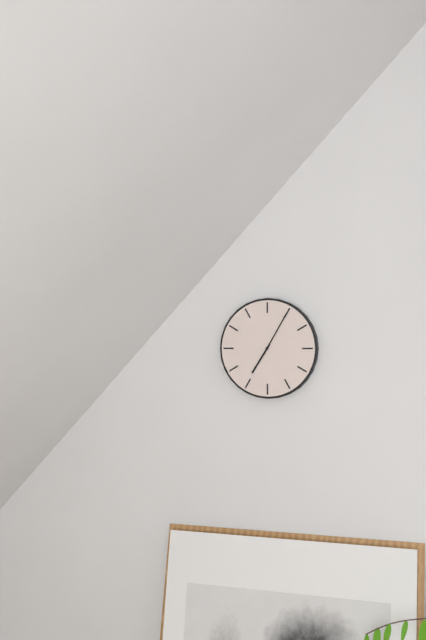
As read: 7h05
